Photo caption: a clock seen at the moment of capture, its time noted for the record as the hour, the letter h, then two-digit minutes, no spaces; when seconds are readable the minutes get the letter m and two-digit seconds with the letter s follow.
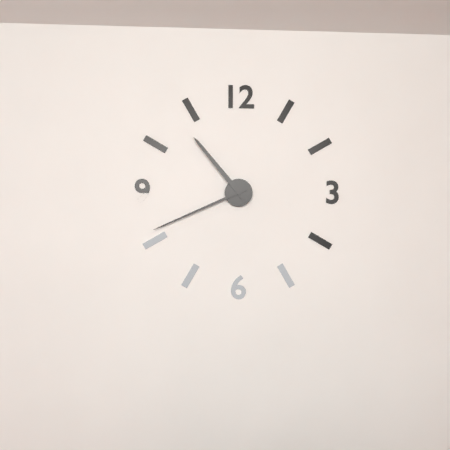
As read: 10h41
